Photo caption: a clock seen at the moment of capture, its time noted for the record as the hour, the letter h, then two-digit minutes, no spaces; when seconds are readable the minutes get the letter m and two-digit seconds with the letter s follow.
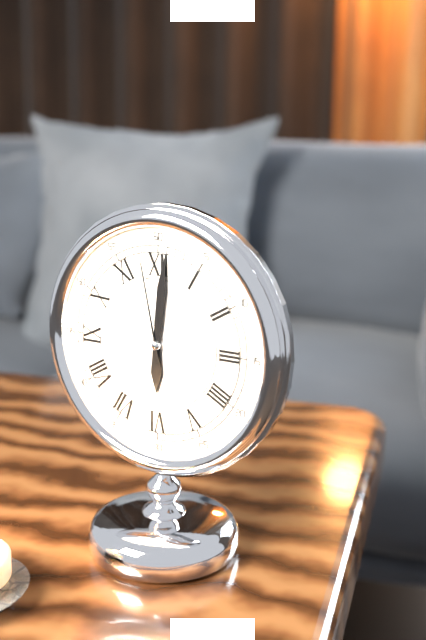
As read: 6h01m58s
